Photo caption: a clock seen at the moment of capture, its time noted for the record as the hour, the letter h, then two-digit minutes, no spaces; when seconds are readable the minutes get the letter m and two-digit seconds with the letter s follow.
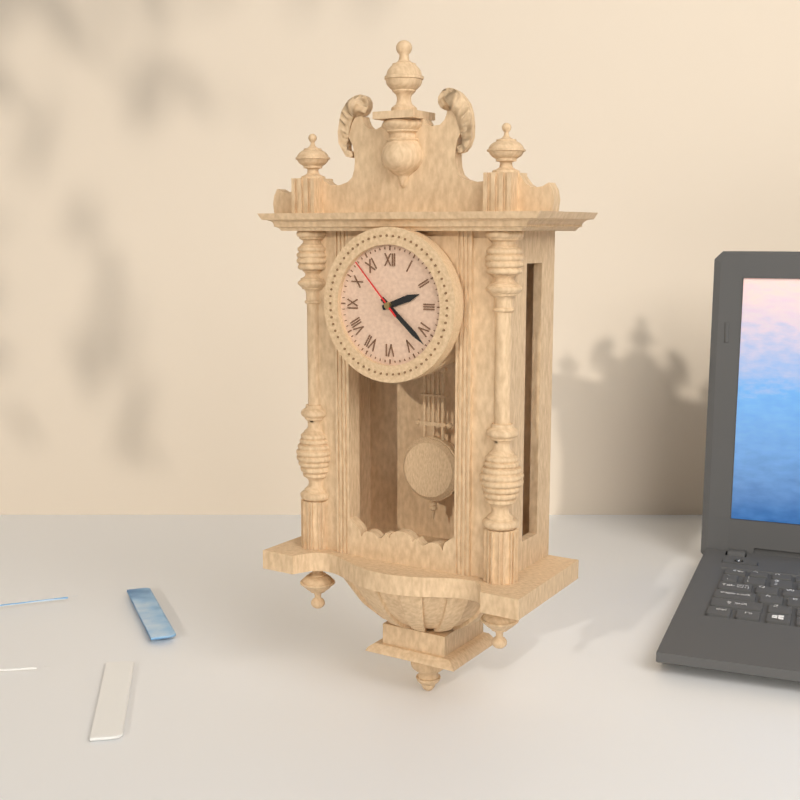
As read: 2h22m53s
